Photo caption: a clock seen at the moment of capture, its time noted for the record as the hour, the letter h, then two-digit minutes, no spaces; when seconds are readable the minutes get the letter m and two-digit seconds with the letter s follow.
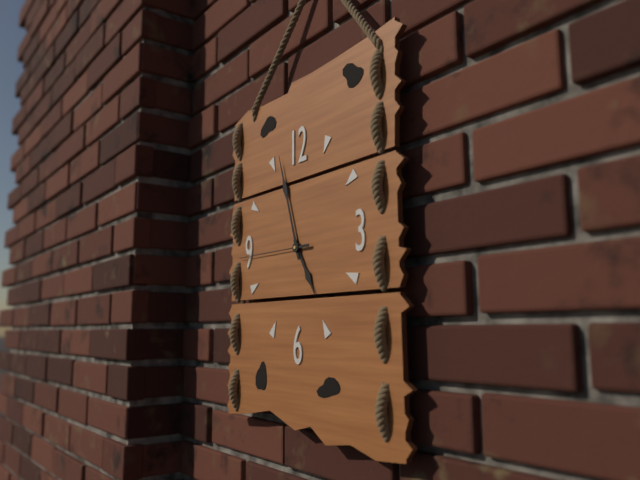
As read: 4h57m45s
